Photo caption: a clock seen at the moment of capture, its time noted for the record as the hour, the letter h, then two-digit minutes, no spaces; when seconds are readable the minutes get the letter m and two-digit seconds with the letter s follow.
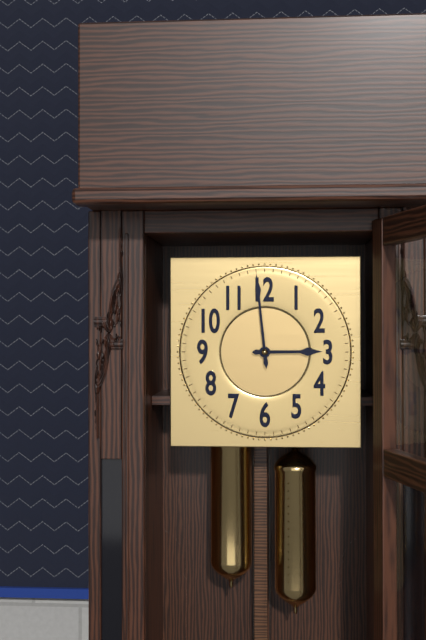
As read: 2h59
